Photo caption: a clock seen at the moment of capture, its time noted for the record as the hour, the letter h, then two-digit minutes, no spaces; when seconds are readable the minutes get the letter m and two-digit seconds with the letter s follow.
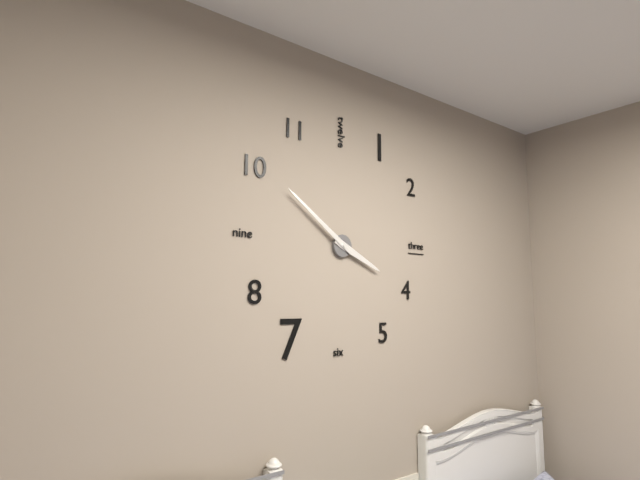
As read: 3h51
